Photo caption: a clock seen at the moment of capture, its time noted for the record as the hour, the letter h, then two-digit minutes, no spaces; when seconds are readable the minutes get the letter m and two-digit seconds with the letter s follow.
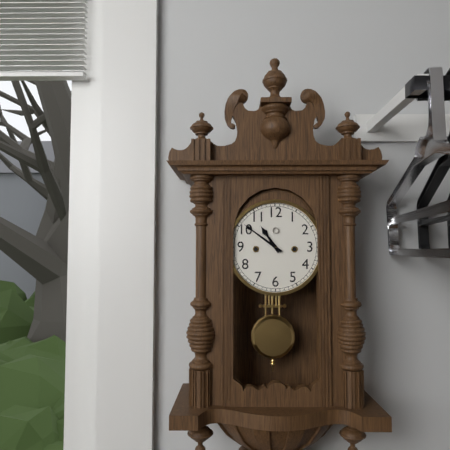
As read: 10h51
